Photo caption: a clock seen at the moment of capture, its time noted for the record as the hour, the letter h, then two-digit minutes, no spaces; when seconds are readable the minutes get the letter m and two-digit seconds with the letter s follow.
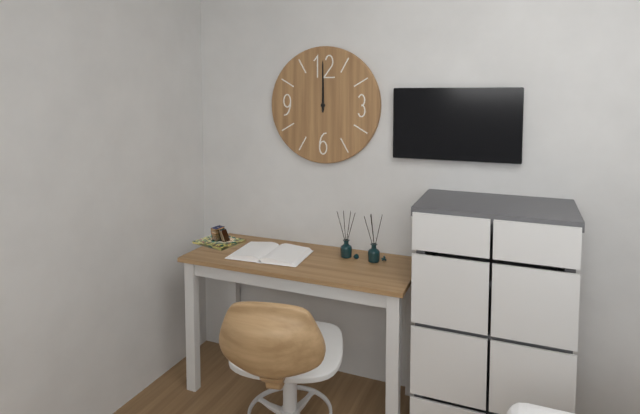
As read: 12h00
